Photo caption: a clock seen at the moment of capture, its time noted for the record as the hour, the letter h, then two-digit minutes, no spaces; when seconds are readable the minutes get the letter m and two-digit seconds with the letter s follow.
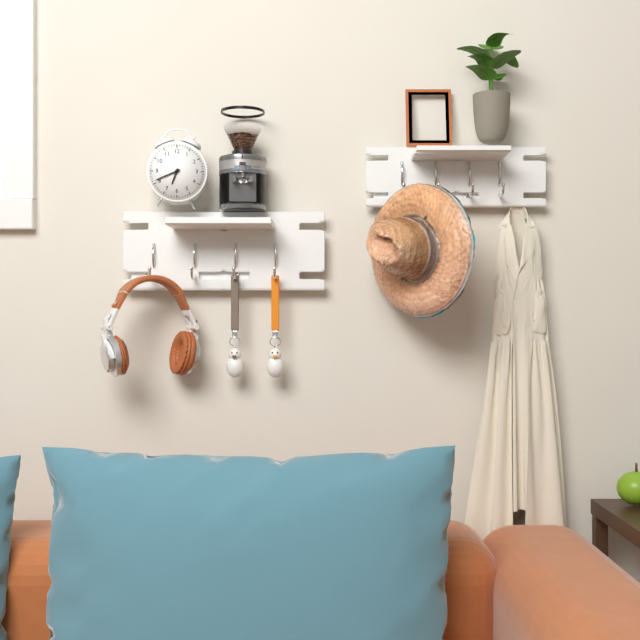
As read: 6h41
